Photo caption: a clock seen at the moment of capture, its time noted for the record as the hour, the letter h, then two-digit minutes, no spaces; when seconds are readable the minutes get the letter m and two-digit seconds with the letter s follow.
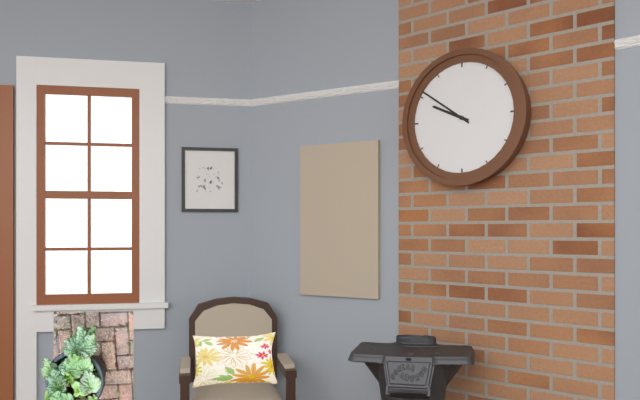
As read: 9h51
